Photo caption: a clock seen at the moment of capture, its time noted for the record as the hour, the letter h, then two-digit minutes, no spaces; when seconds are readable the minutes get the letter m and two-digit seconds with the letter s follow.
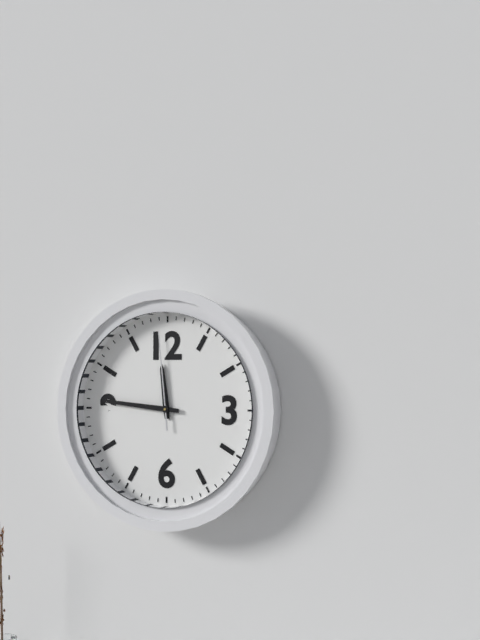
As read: 11h46m59s
